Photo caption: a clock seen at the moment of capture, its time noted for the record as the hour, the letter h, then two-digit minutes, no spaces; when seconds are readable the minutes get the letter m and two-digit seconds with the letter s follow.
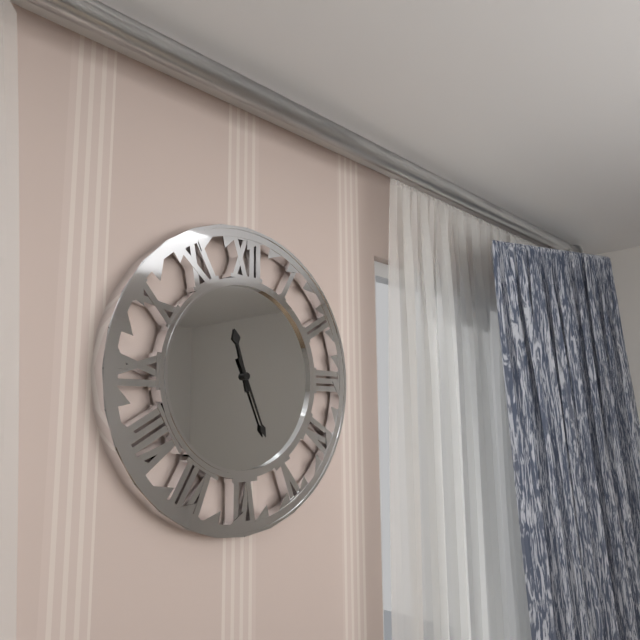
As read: 11h26
